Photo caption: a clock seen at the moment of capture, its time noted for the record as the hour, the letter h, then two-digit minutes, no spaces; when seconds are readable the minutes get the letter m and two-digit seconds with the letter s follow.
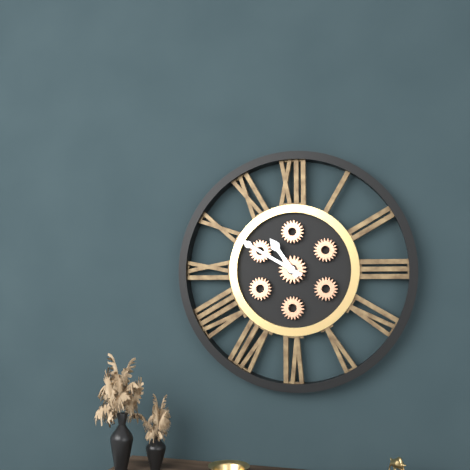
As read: 10h50
